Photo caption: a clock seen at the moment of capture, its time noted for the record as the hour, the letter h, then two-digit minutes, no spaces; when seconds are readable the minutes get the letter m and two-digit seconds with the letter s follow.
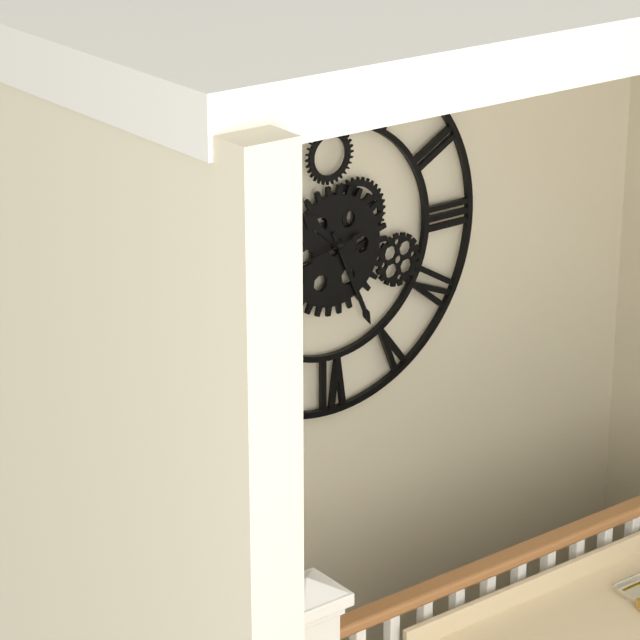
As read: 10h26
